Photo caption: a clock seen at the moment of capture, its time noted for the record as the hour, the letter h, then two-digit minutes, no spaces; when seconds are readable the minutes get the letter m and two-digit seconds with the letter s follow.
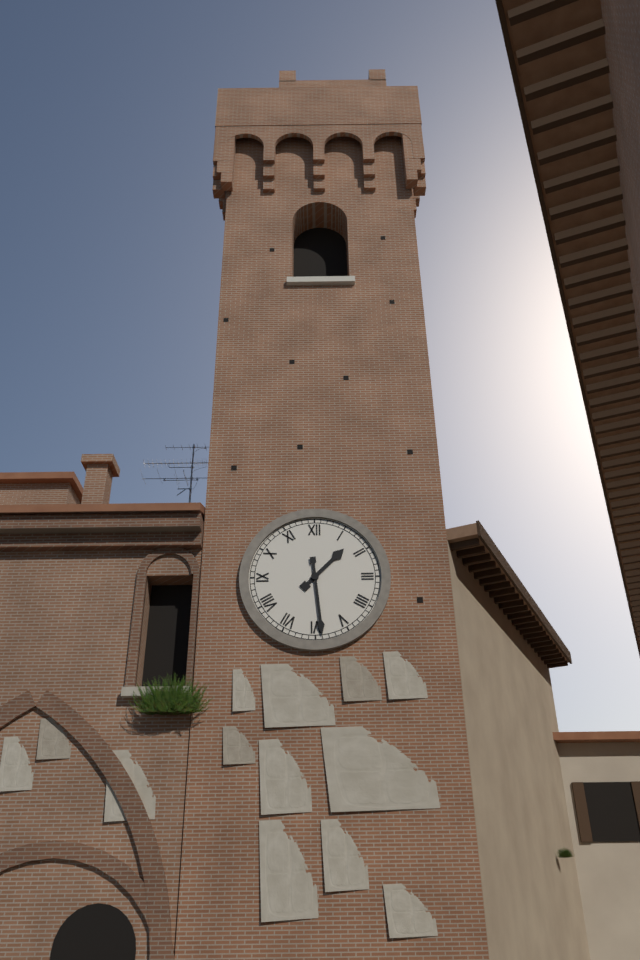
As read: 1h29
